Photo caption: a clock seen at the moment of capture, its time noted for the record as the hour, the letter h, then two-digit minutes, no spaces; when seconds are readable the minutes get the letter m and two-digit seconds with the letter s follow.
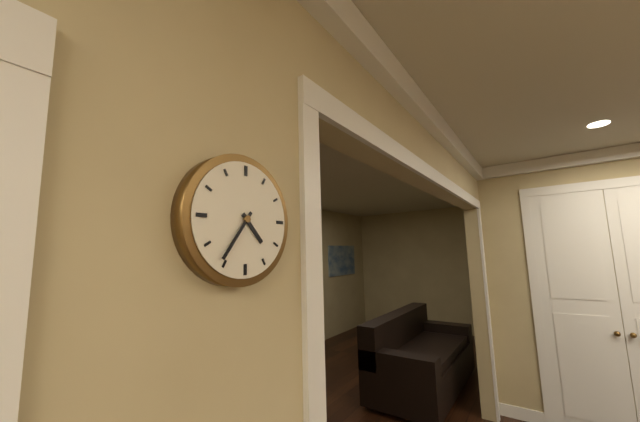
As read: 4h36
